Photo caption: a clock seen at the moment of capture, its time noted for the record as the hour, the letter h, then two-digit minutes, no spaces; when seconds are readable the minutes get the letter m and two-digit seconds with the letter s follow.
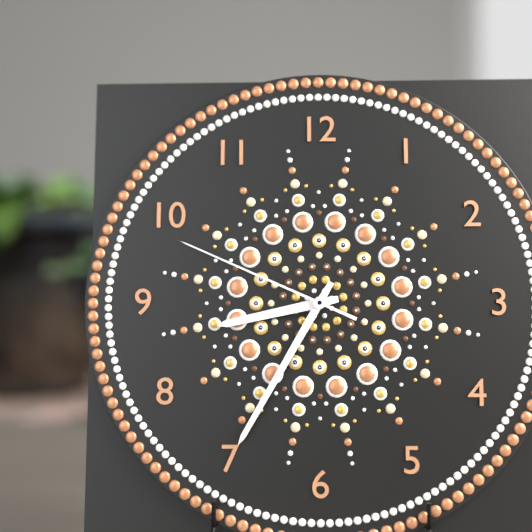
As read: 8h35m49s
